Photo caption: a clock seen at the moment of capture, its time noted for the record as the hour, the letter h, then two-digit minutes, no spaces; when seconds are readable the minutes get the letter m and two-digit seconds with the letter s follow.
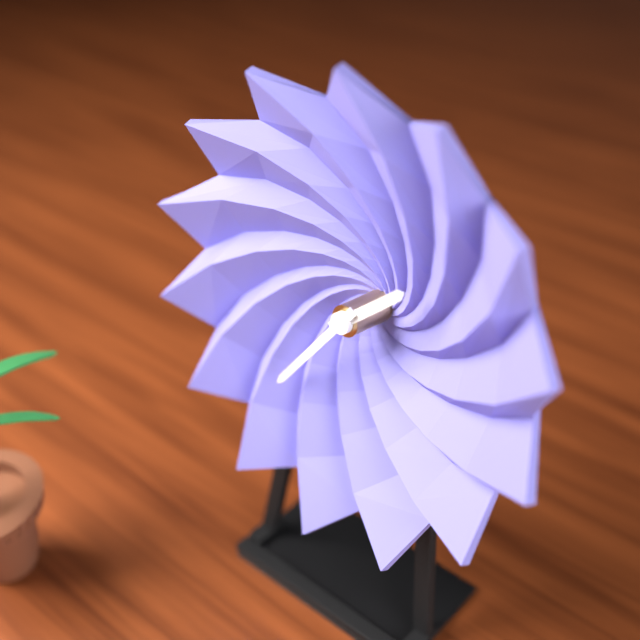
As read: 1h36
